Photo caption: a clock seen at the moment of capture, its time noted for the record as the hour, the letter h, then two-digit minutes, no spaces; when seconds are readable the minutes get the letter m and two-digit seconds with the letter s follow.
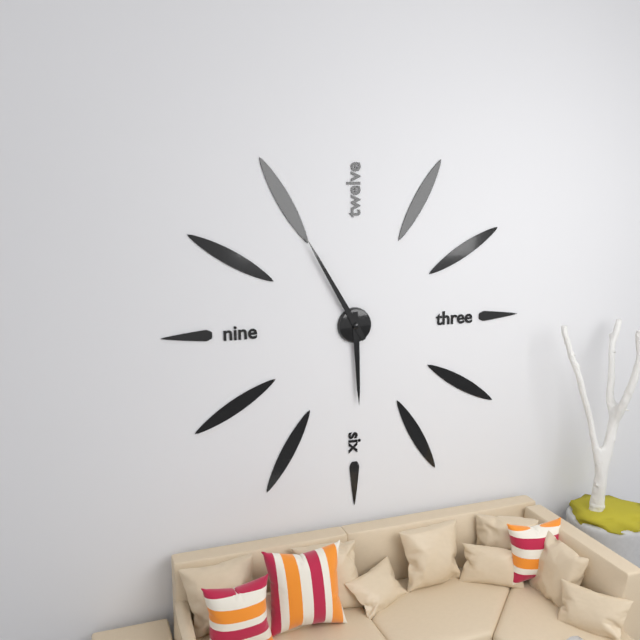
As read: 5h55
